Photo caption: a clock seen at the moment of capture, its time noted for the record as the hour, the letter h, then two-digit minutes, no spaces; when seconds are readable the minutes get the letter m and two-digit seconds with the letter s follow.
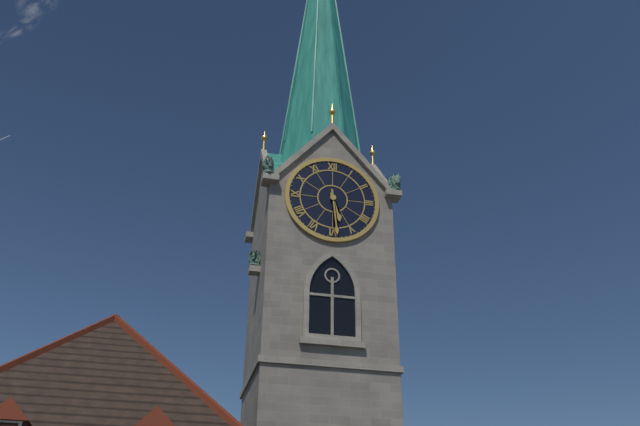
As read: 5h29
